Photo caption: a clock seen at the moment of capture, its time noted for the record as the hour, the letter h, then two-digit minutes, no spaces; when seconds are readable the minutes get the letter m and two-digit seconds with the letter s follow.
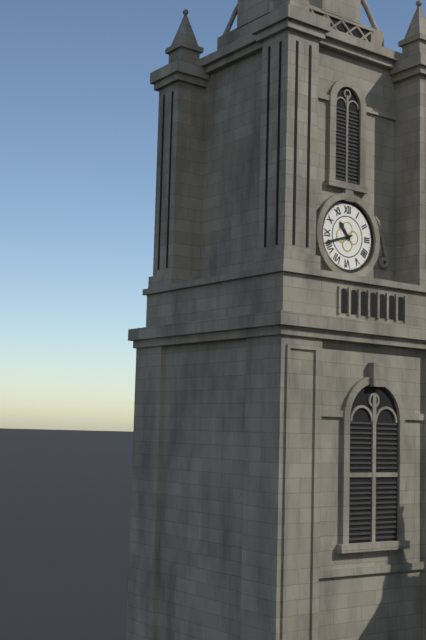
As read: 10h42
